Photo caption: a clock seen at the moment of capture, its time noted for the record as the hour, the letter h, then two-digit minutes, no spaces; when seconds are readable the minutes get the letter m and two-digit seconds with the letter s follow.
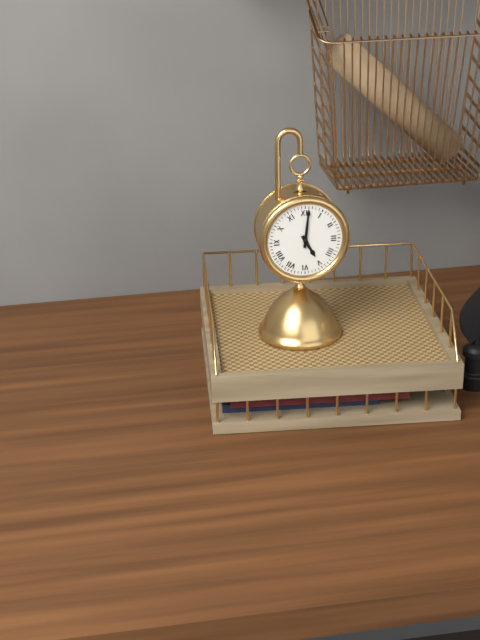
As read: 5h01
